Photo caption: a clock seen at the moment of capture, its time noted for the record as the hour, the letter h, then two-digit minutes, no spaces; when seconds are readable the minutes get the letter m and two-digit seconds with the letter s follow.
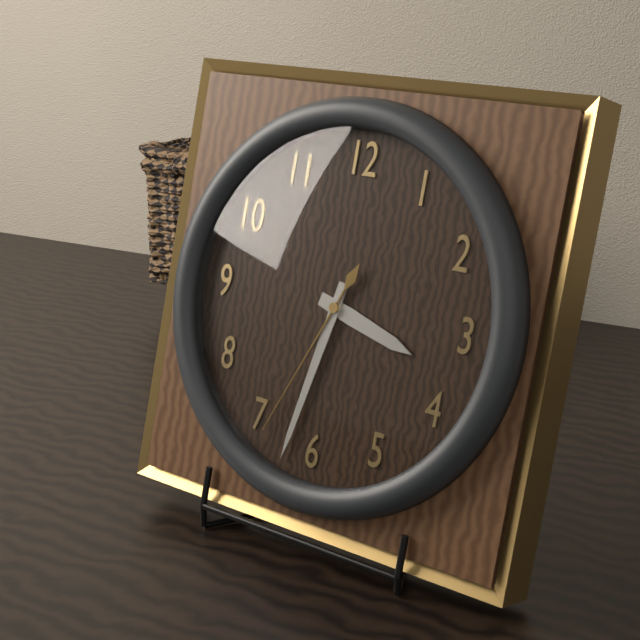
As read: 3h32m34s
